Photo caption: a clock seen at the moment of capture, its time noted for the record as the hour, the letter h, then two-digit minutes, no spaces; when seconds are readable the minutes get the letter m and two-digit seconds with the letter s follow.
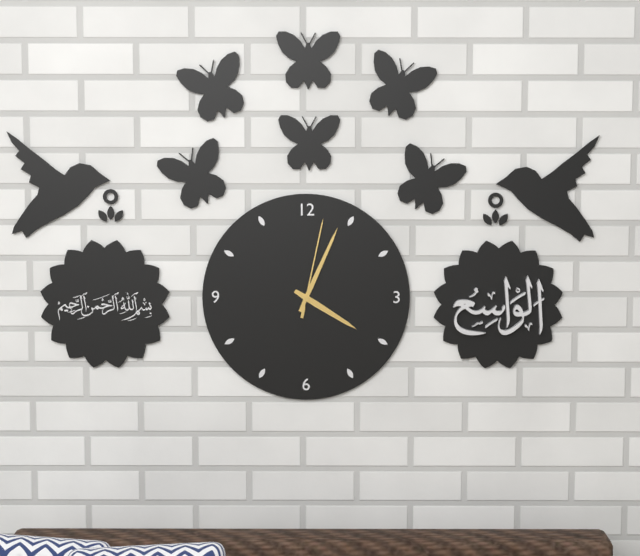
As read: 4h04m02s
